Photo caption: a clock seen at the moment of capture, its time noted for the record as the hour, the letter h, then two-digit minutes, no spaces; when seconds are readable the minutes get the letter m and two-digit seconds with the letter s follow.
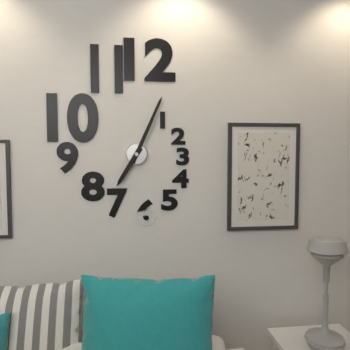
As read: 7h04
